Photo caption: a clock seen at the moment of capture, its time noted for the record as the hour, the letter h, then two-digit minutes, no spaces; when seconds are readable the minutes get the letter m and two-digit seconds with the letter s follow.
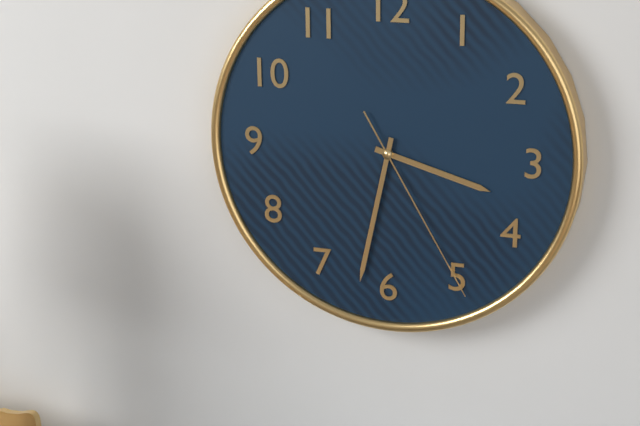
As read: 3h32m25s
